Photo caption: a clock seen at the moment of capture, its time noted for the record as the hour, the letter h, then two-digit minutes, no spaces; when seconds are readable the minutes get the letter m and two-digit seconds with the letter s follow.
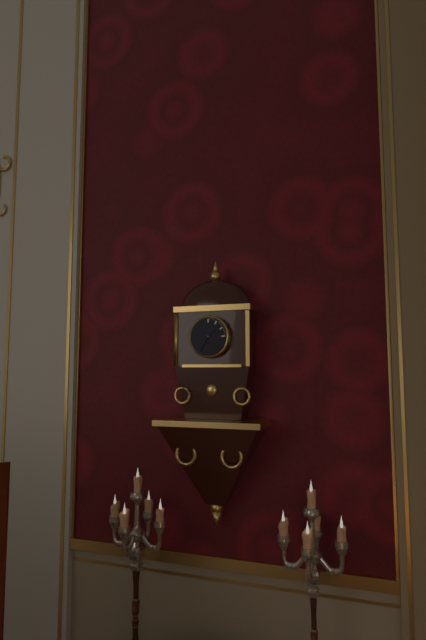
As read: 1h35
